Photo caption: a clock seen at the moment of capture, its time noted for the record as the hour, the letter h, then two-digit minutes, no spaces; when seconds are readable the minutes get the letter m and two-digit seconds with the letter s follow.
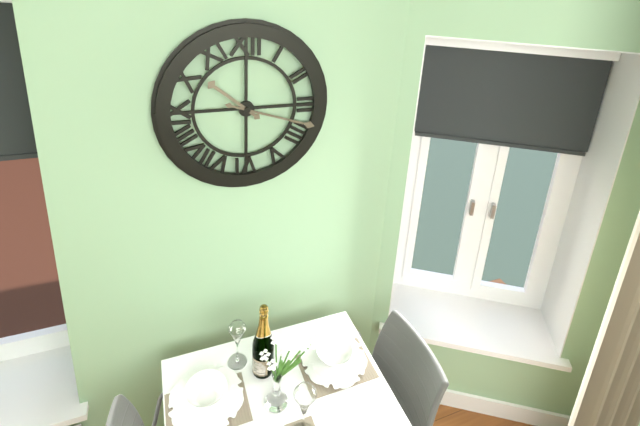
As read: 10h18
